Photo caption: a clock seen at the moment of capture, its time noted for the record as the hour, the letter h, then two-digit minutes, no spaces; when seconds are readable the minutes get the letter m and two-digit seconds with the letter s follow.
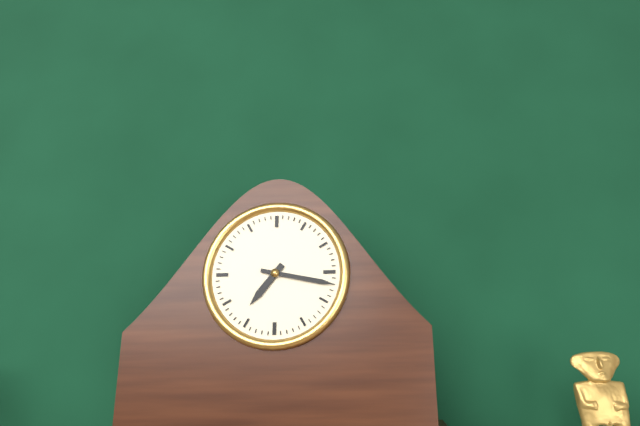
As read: 7h17
